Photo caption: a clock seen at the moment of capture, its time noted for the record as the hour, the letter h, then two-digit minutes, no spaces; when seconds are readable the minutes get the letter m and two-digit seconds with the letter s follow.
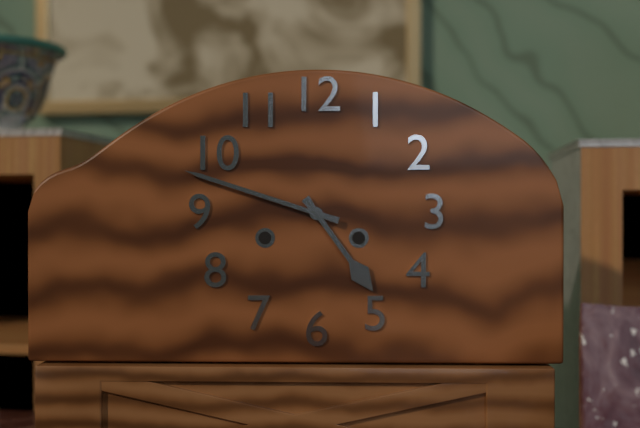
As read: 4h48
